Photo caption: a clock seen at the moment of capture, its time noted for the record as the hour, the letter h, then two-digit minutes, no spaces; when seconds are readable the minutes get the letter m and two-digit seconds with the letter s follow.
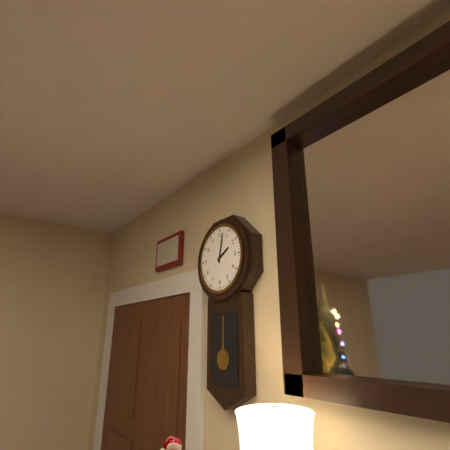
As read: 2h02
